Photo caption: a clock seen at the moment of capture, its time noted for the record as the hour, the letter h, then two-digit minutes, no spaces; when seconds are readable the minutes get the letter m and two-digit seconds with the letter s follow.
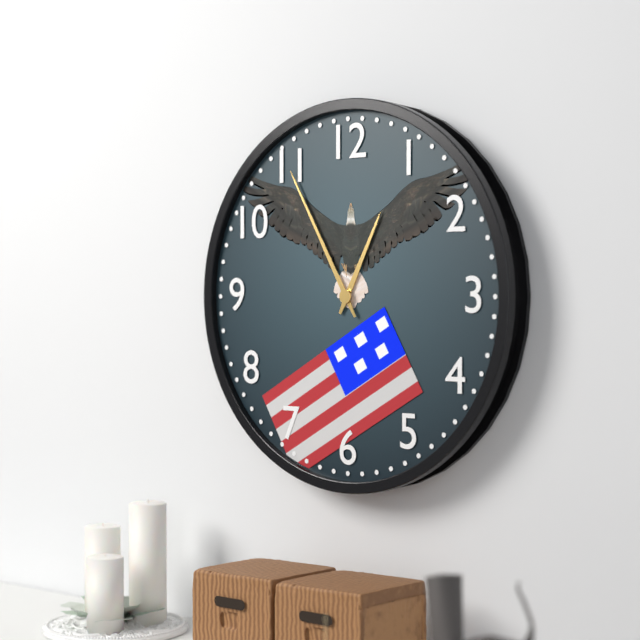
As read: 12h55
